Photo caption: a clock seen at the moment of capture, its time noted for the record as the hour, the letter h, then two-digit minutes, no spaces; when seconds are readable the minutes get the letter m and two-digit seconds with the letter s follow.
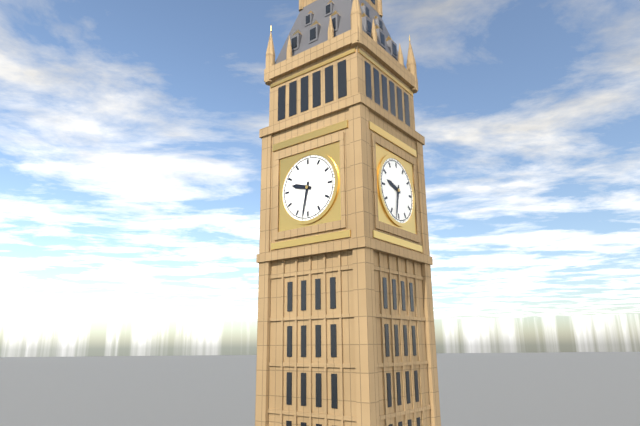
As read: 9h32
